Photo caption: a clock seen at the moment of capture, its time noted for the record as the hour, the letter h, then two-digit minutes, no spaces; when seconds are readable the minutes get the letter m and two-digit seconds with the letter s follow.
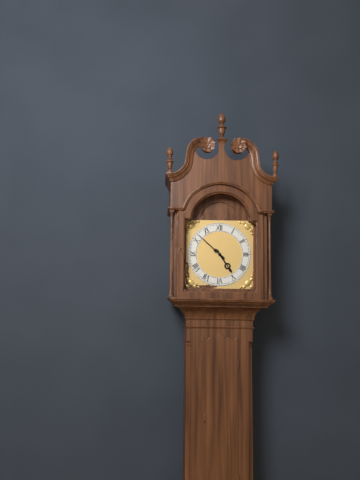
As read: 4h52
